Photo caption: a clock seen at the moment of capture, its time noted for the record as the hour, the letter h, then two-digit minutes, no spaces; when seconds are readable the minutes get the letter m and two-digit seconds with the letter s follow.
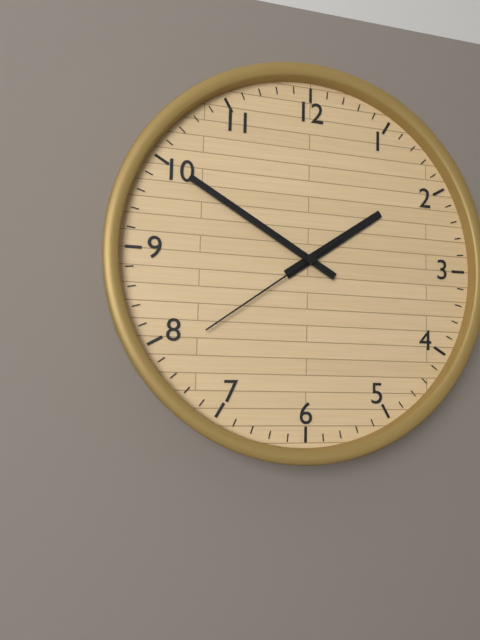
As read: 1h50m39s
